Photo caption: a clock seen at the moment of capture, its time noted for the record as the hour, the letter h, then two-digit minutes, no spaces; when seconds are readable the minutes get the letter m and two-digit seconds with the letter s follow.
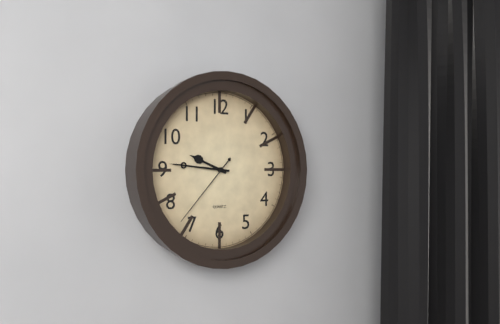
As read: 9h46m37s
